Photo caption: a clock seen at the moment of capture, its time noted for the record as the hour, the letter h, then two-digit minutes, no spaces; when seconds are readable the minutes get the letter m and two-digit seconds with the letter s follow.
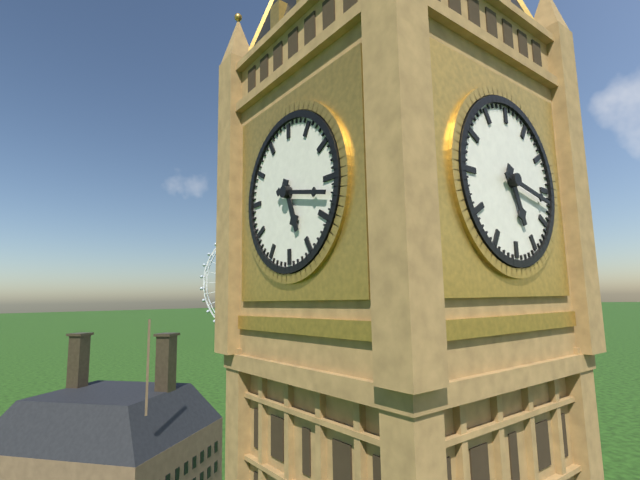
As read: 5h17
